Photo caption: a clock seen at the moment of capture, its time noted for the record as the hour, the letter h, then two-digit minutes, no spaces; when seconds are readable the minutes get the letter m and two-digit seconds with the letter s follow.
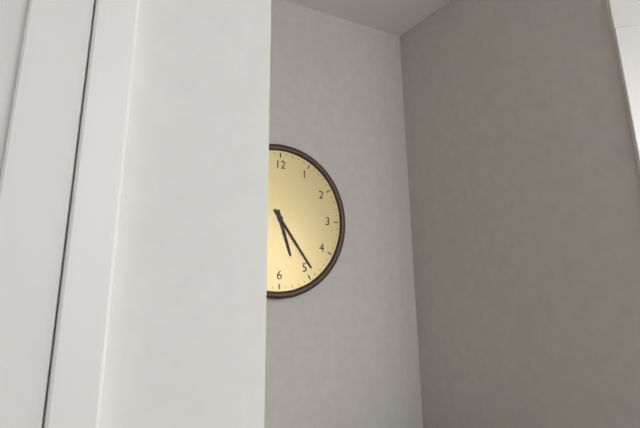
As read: 5h24
